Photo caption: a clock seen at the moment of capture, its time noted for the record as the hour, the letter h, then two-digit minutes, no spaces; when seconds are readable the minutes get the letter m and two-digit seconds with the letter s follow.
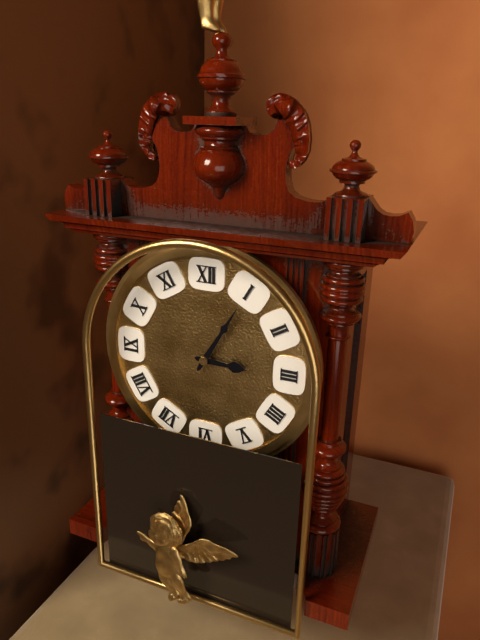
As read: 3h05
